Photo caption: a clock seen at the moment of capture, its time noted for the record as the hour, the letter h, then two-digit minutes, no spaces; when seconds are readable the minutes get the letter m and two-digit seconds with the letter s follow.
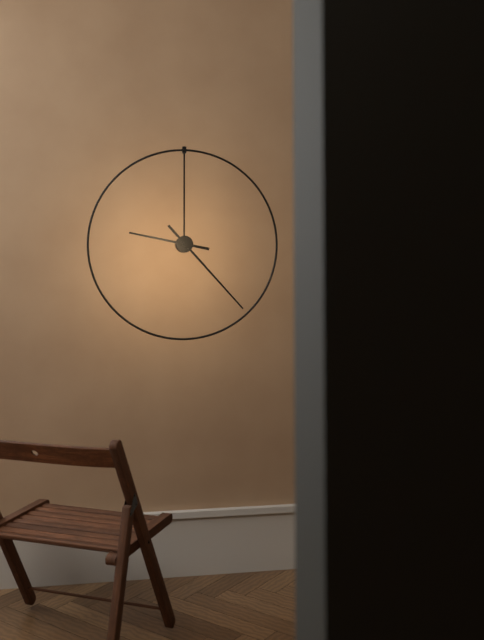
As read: 9h23
